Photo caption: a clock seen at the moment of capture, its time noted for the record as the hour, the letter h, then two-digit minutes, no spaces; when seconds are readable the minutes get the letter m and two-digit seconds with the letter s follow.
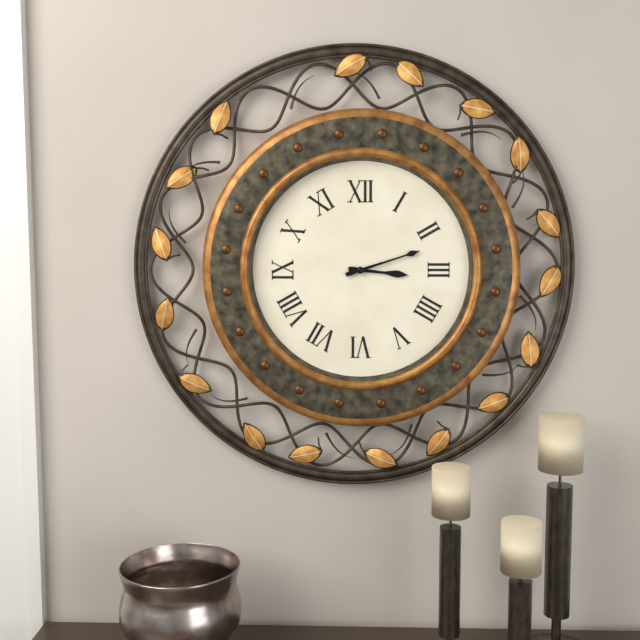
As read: 3h12
